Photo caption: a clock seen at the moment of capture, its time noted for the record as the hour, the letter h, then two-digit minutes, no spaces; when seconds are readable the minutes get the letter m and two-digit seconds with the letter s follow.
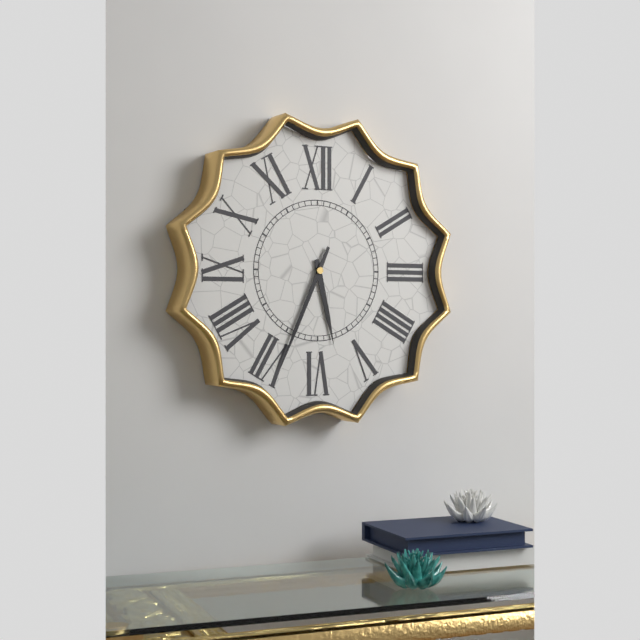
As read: 5h34
